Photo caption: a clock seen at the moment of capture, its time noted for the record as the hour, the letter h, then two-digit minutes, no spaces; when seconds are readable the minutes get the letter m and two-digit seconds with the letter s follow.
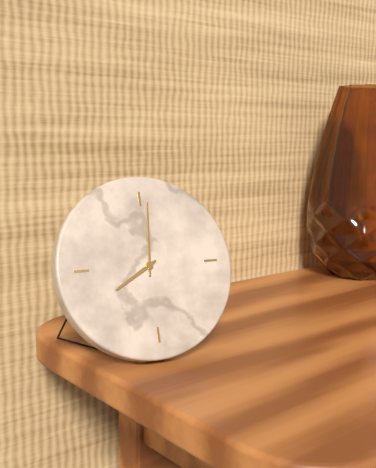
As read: 8h01
